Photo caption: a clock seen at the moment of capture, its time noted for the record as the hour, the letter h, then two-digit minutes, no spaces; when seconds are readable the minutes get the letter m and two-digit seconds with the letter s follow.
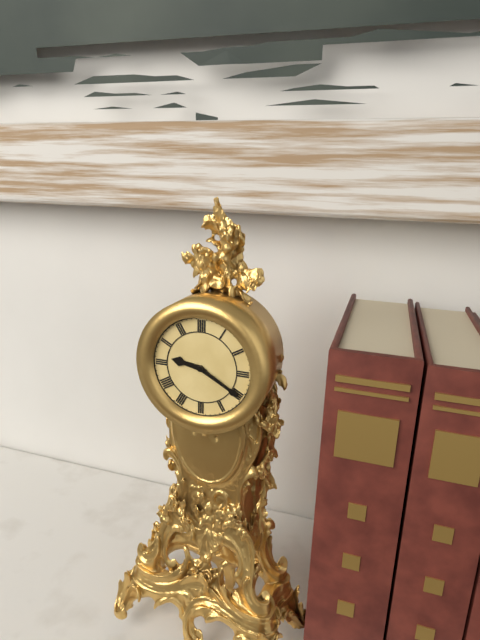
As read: 9h20
